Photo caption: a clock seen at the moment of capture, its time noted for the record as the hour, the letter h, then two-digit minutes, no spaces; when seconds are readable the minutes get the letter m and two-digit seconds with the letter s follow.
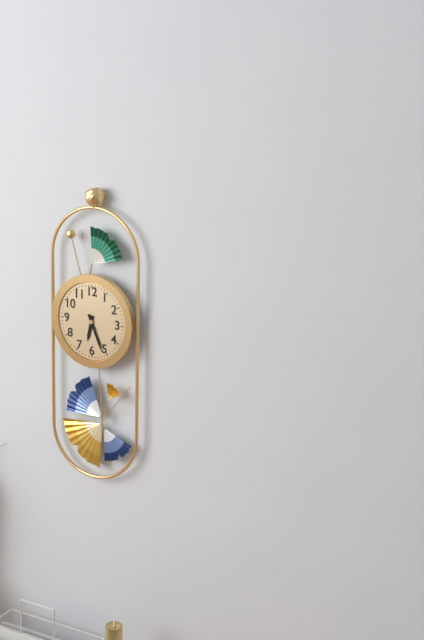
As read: 6h26
